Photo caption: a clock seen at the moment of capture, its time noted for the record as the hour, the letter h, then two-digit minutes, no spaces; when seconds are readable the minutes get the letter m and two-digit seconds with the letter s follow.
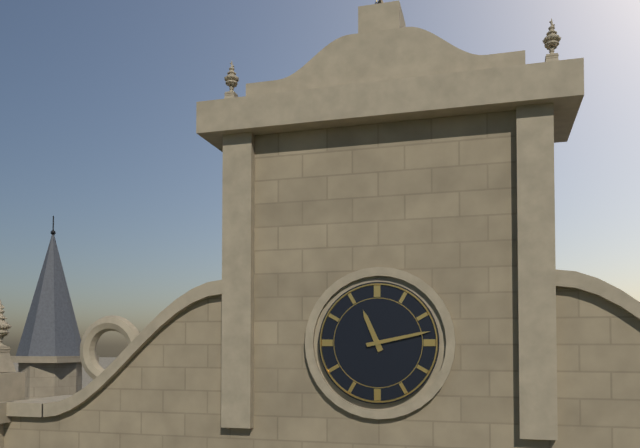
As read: 11h13
